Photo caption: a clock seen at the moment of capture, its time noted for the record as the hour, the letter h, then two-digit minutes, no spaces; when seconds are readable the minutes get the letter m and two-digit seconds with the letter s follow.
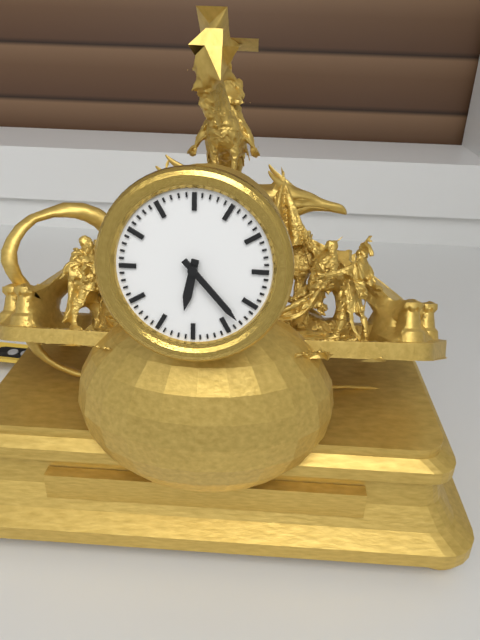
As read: 6h23
